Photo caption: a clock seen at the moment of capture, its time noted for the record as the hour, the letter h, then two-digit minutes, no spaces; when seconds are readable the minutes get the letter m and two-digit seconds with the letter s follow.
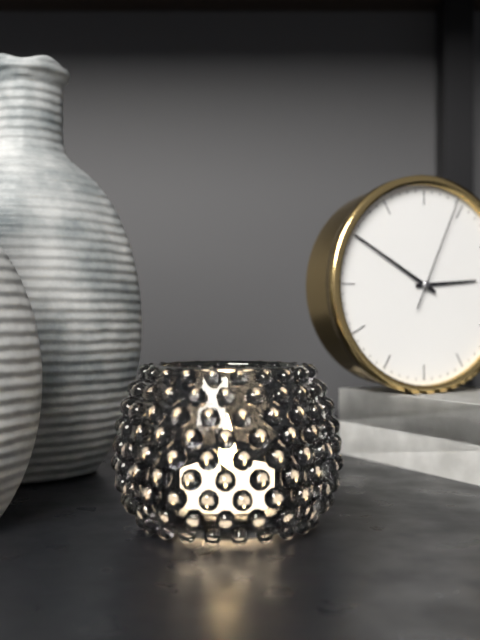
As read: 2h50m04s
